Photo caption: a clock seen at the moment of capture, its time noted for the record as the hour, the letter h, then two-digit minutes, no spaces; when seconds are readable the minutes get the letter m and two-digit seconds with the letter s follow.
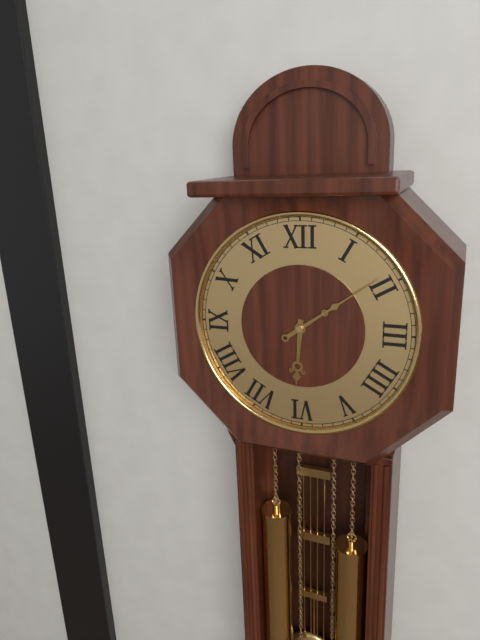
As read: 6h09
